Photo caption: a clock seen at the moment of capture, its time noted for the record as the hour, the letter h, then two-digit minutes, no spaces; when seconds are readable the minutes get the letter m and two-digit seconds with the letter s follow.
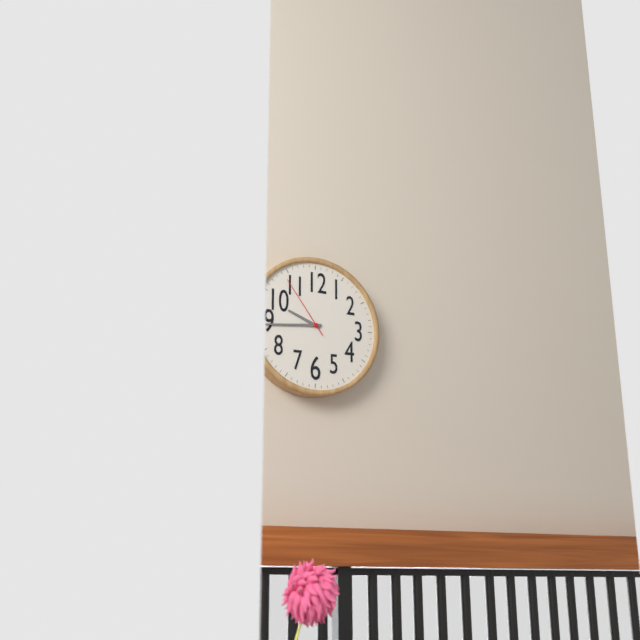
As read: 9h44m54s
